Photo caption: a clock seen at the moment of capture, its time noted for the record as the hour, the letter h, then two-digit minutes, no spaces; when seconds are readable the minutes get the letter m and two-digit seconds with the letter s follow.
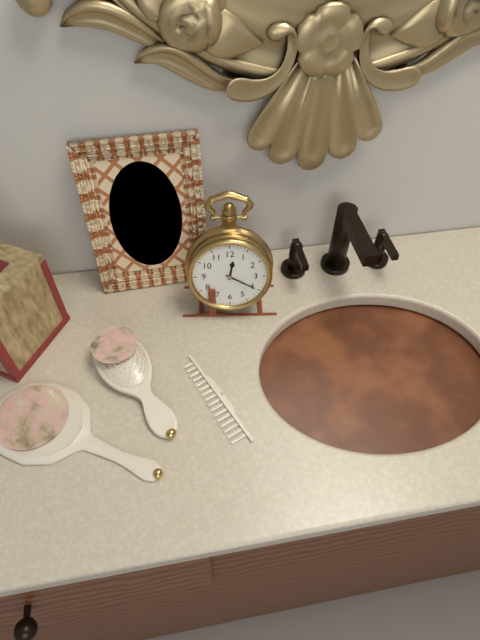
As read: 12h20
